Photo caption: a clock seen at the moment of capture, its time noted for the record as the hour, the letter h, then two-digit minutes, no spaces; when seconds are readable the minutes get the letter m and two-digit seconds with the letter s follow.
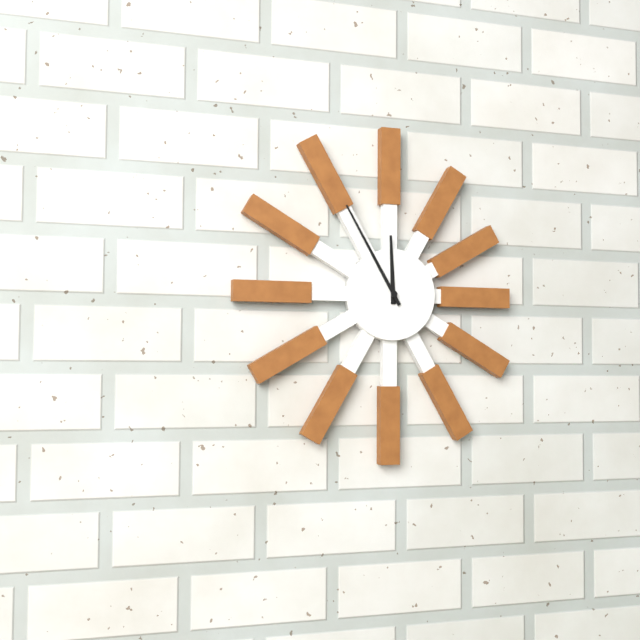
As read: 11h55
